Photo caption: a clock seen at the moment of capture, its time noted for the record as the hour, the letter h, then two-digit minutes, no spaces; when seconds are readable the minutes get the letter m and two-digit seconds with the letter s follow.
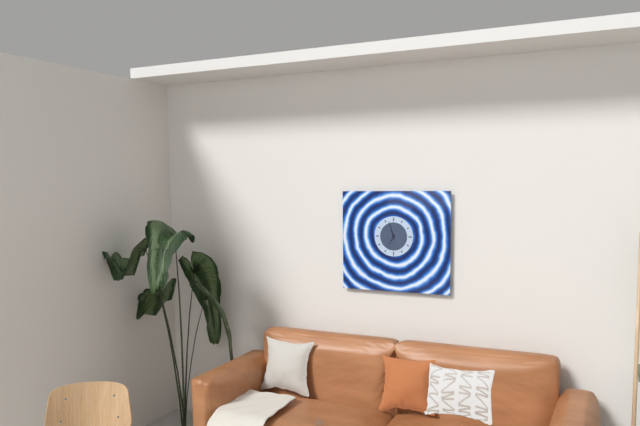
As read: 6h57
